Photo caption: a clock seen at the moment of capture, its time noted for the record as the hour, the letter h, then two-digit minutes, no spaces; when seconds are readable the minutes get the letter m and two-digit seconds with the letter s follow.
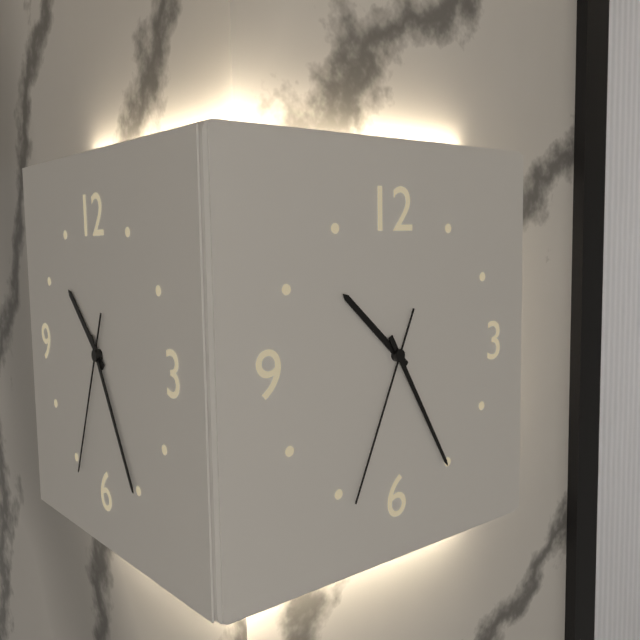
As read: 10h25m34s
